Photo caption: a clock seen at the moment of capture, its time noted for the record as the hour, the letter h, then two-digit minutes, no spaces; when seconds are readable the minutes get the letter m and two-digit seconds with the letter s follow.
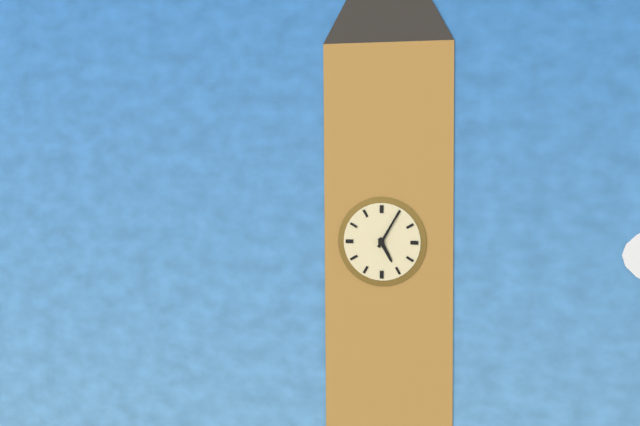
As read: 5h05
